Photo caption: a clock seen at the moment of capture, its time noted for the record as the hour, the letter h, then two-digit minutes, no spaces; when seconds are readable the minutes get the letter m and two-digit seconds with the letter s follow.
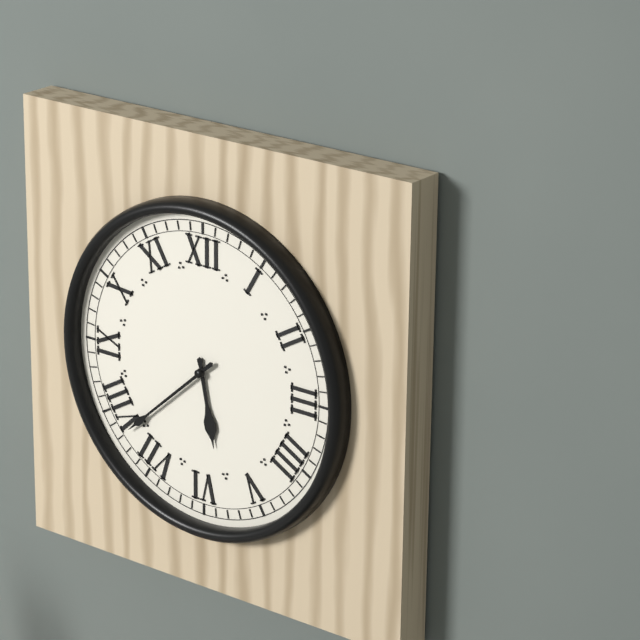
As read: 5h38
